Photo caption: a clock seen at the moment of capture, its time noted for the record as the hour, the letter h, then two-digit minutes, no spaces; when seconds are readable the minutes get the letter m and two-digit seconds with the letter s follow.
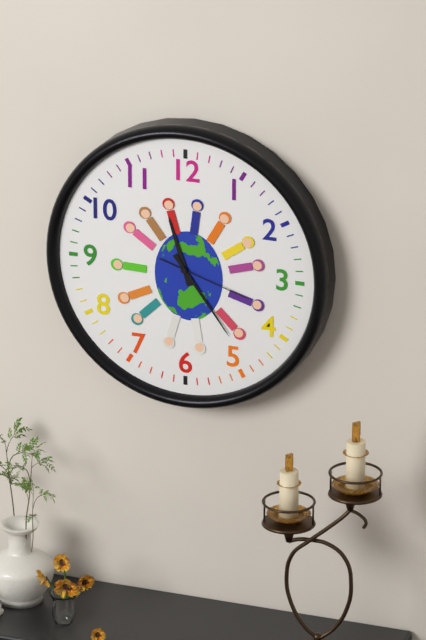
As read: 11h24m18s
